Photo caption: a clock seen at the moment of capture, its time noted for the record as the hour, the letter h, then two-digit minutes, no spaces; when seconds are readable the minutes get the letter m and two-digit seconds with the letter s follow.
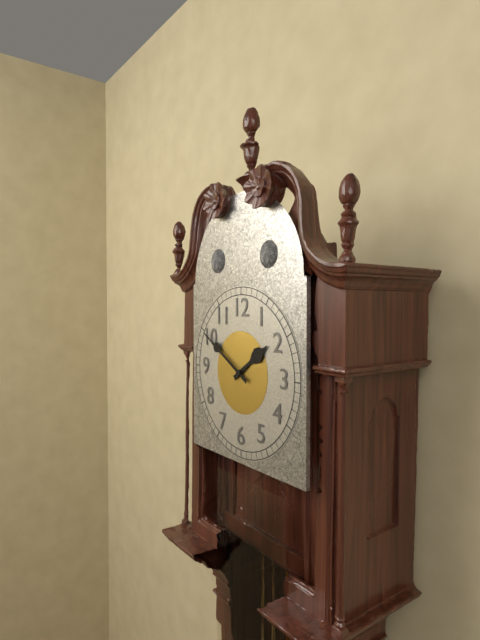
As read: 1h50
